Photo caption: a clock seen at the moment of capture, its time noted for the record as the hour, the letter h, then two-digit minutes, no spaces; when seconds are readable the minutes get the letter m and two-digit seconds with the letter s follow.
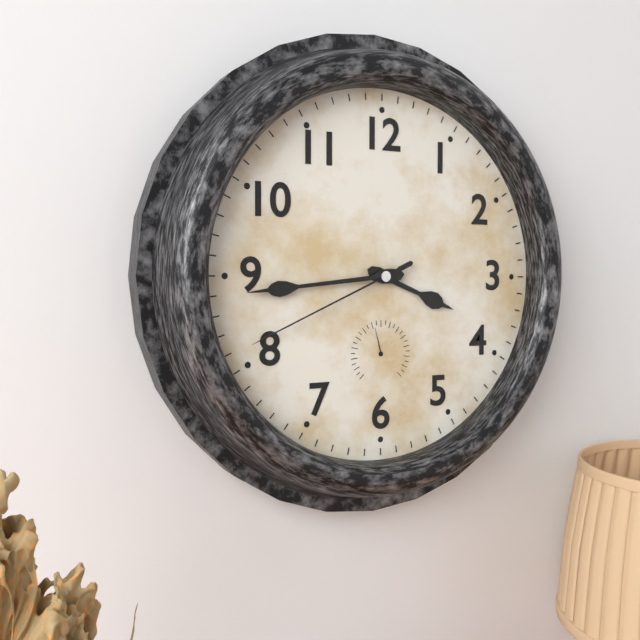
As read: 3h44m41s
